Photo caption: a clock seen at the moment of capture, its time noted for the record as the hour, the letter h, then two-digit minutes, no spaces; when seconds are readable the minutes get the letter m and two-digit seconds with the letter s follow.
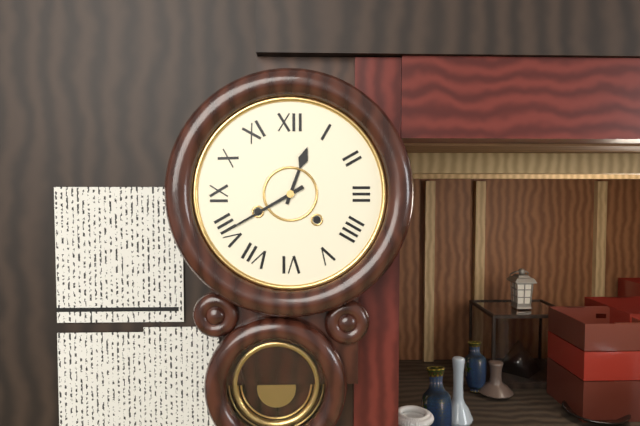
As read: 12h40
